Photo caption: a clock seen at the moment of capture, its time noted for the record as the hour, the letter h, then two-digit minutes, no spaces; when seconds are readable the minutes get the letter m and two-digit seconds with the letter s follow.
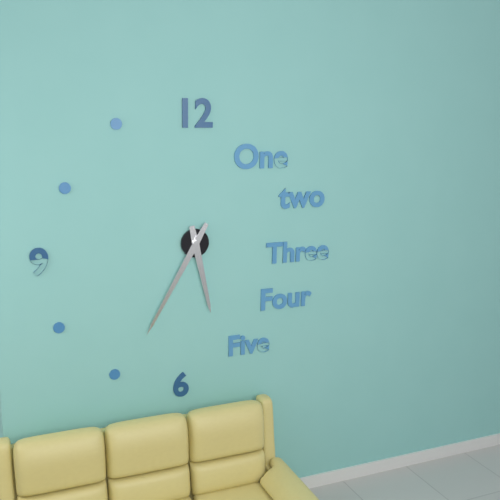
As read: 5h35
